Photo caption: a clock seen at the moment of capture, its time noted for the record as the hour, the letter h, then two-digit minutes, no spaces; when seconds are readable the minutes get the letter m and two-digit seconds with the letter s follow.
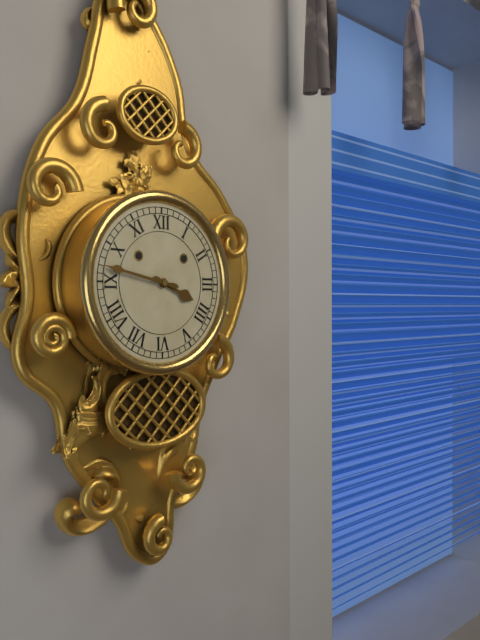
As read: 3h47
